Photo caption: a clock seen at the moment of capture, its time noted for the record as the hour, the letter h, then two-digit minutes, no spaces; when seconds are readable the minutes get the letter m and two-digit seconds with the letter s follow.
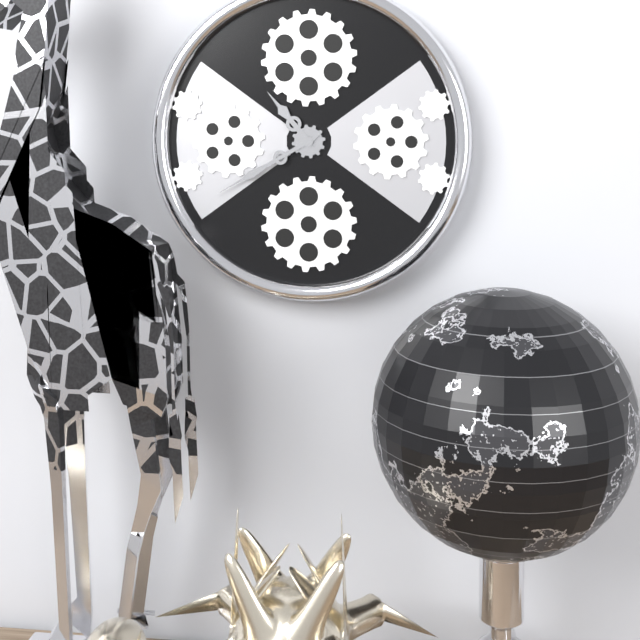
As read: 10h40
